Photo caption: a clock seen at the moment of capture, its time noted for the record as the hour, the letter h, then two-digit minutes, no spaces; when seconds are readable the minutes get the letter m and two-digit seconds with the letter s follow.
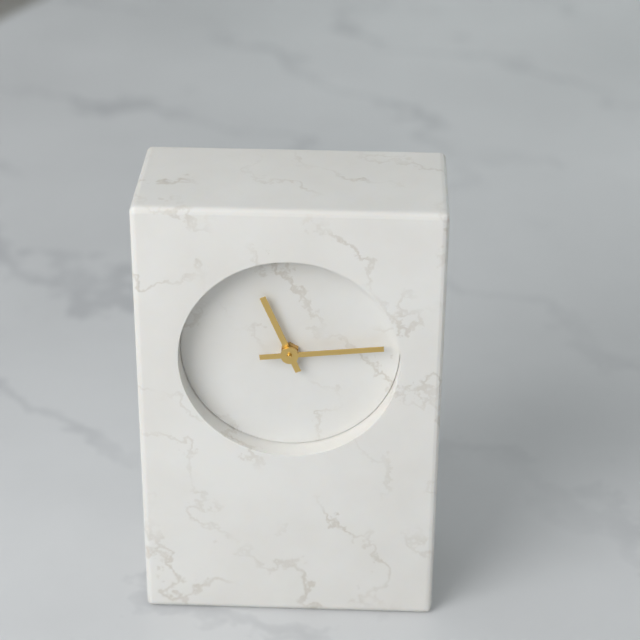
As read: 11h14
